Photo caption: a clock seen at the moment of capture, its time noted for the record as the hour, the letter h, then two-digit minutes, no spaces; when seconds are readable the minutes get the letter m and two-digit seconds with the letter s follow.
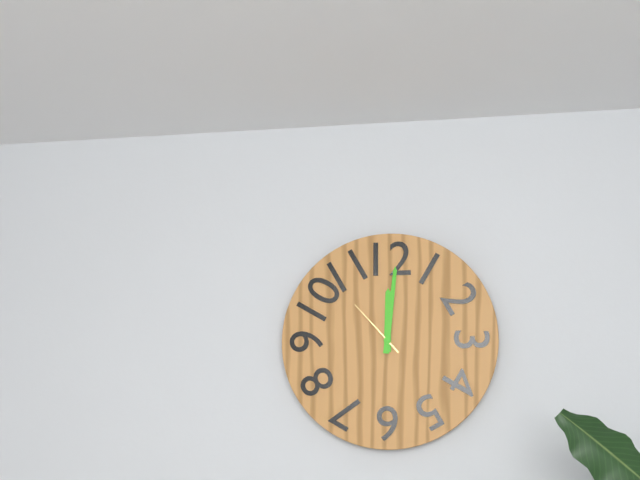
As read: 12h01m53s
